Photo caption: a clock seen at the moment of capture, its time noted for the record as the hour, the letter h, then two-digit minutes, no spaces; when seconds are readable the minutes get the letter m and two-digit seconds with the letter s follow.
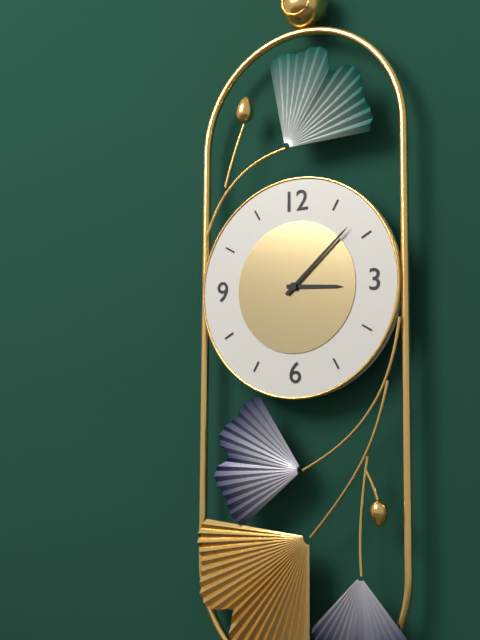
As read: 3h08
